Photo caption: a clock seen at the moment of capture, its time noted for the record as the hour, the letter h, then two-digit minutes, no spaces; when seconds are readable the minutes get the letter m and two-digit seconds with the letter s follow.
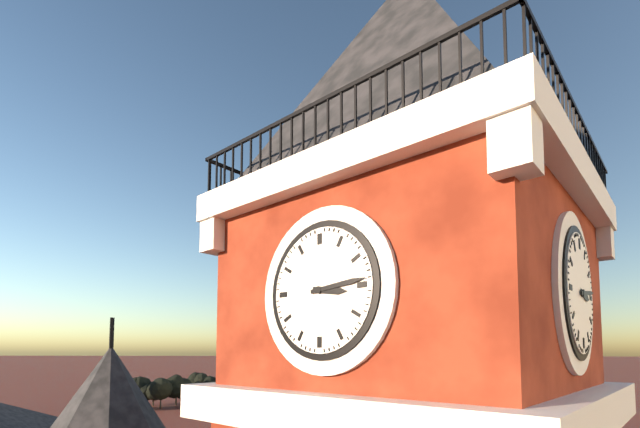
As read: 3h14
